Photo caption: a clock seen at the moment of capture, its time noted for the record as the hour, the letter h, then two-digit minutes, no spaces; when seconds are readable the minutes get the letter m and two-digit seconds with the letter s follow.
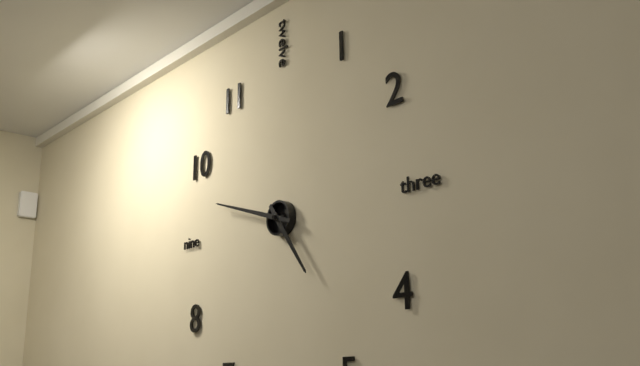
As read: 4h48
